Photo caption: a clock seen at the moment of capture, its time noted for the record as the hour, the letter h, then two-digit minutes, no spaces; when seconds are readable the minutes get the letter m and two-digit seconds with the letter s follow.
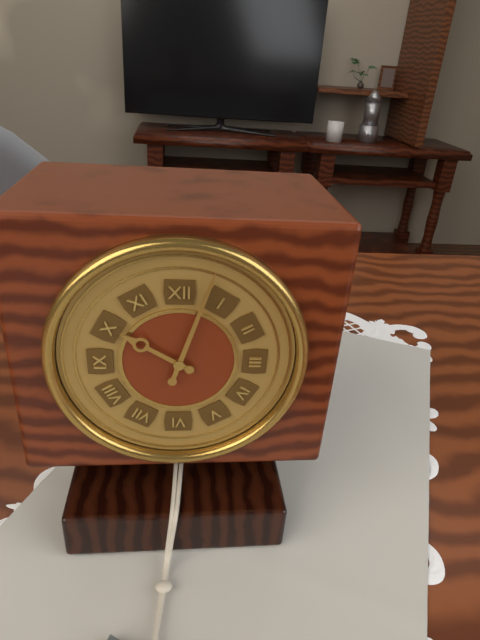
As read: 10h03
